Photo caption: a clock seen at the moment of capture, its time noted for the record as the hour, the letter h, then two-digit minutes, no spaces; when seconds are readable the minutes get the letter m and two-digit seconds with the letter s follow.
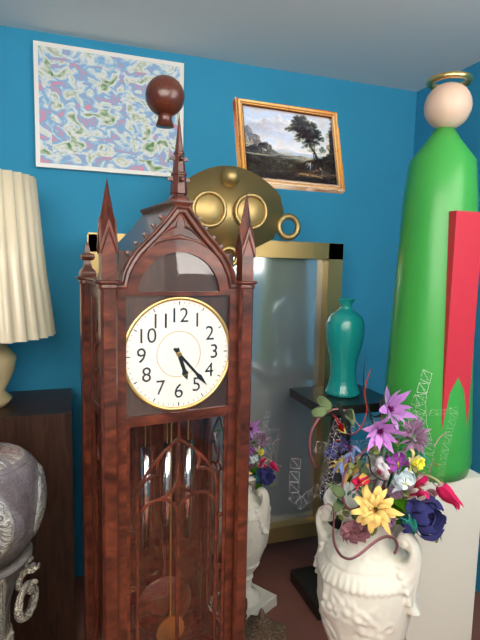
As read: 5h23
